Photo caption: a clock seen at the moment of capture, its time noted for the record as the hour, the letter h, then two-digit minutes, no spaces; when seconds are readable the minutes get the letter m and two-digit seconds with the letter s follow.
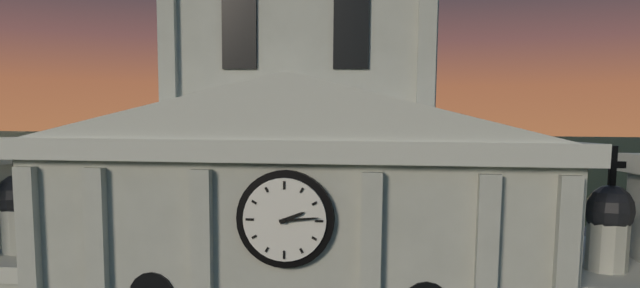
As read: 2h14
